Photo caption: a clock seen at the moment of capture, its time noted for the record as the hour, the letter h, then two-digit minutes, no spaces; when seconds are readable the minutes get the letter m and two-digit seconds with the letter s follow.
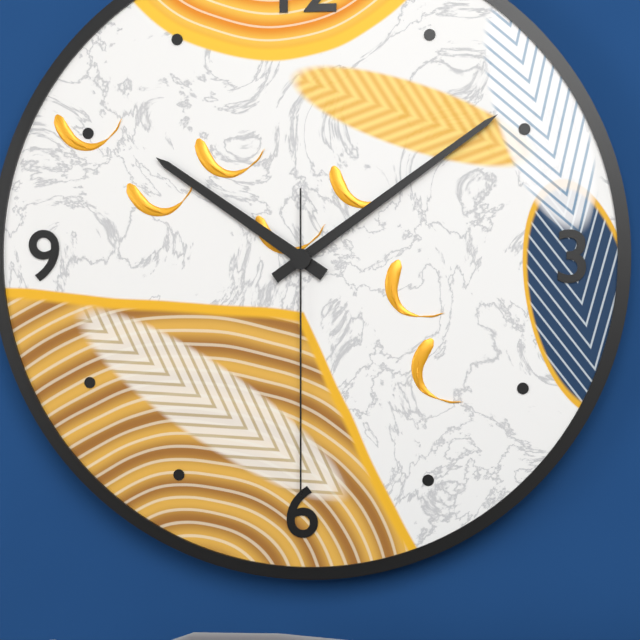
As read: 10h09m30s
